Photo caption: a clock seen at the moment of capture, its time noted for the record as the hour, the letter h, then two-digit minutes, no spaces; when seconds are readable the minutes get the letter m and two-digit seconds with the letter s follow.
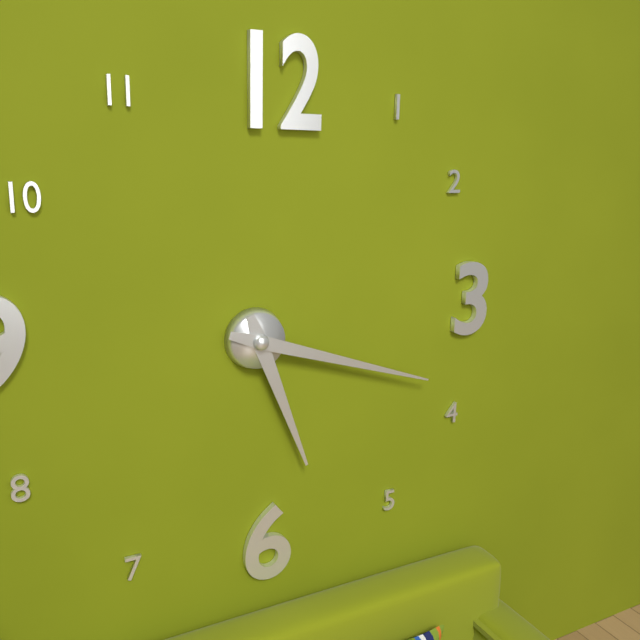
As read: 5h18
